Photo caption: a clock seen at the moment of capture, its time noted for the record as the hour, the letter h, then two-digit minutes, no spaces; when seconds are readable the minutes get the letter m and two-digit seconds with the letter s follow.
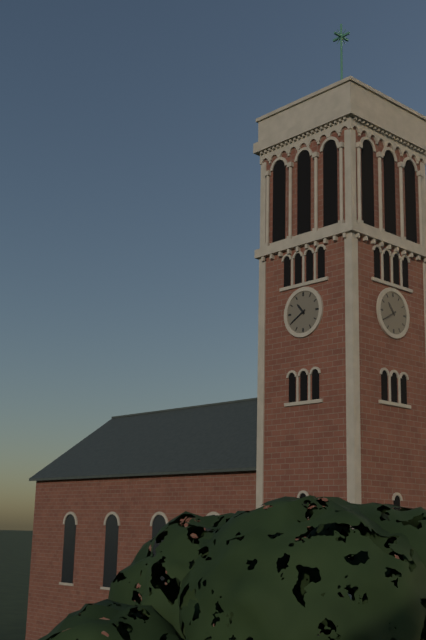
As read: 10h40
